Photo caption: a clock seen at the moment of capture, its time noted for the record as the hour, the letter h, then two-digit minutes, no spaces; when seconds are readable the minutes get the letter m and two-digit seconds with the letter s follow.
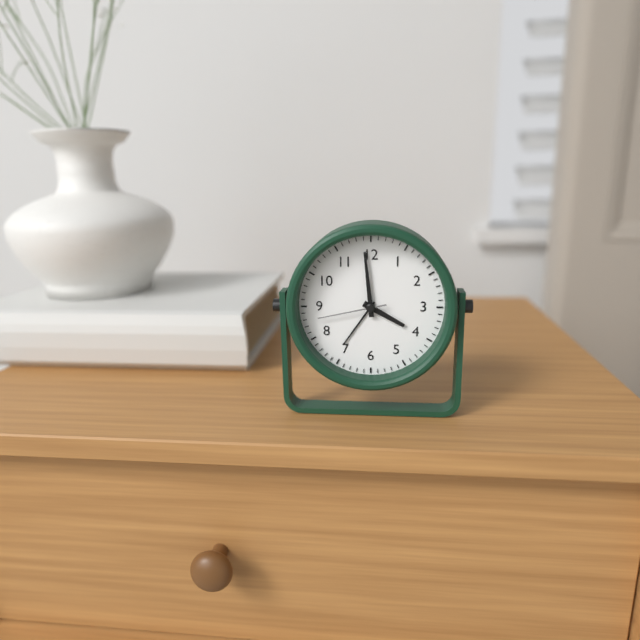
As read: 3h59m43s
